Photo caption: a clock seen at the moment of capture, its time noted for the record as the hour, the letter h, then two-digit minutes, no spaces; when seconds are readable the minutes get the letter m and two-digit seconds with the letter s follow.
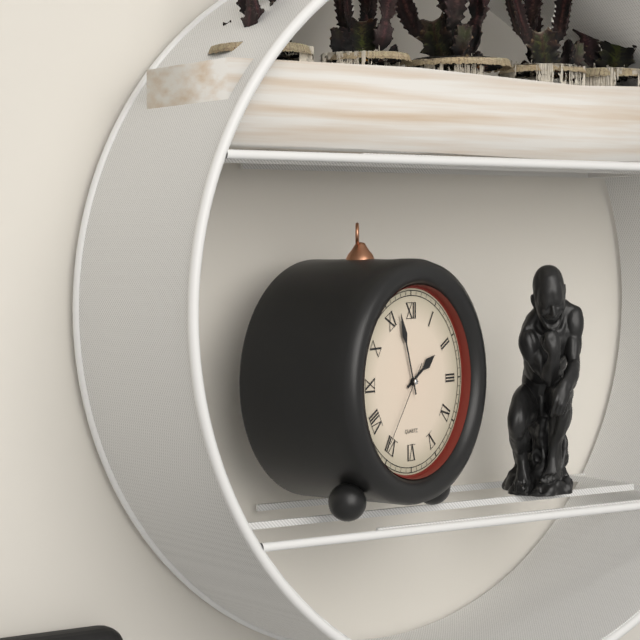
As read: 1h57m36s
